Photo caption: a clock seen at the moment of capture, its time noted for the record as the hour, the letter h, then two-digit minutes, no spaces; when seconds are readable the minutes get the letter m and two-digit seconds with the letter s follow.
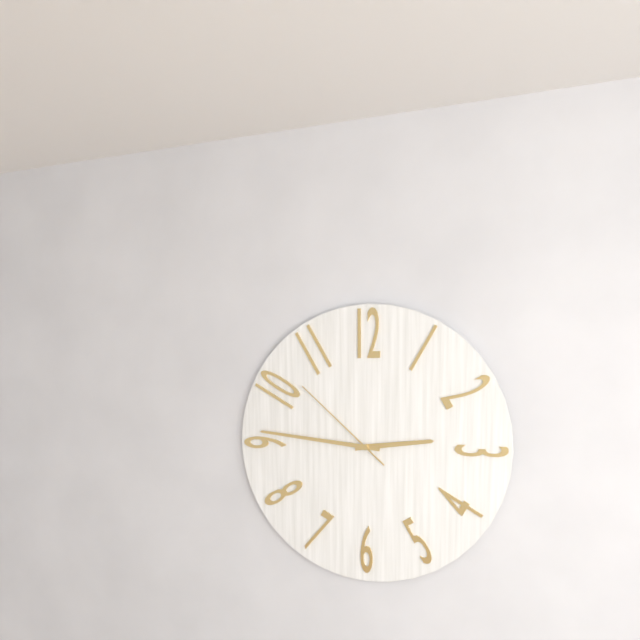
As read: 2h46m52s
